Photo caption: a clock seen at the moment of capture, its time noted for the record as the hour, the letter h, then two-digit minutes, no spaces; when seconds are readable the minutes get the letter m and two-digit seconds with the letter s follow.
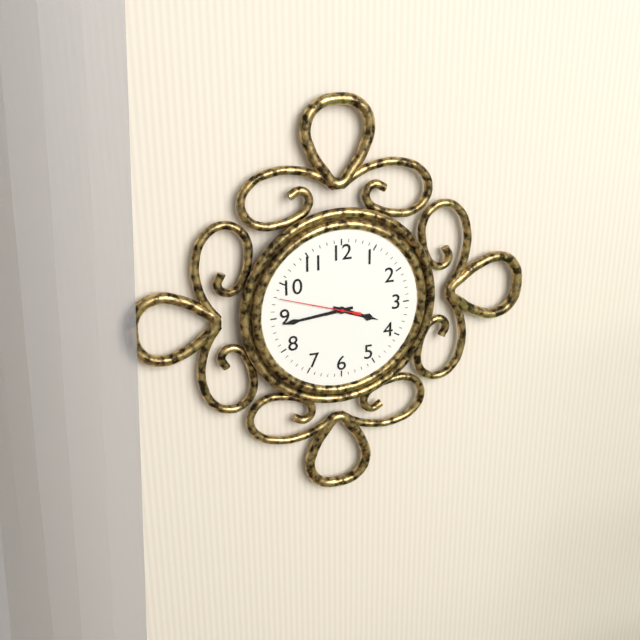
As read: 3h44m48s
